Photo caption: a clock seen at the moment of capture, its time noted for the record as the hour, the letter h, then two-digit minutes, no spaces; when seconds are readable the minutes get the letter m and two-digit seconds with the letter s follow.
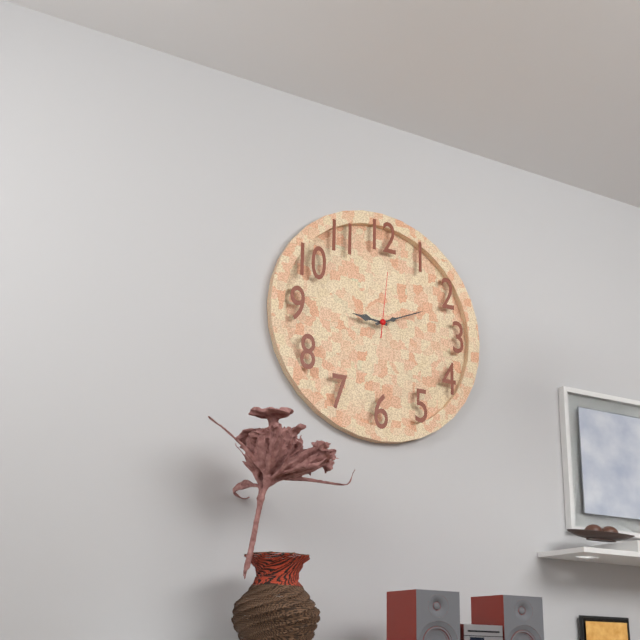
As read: 9h11m01s
